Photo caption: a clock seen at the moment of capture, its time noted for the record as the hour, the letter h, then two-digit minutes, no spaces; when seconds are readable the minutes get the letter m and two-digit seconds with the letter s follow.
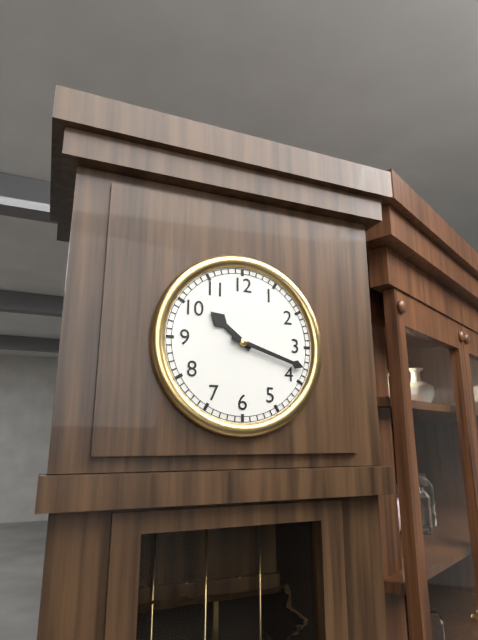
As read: 10h18
